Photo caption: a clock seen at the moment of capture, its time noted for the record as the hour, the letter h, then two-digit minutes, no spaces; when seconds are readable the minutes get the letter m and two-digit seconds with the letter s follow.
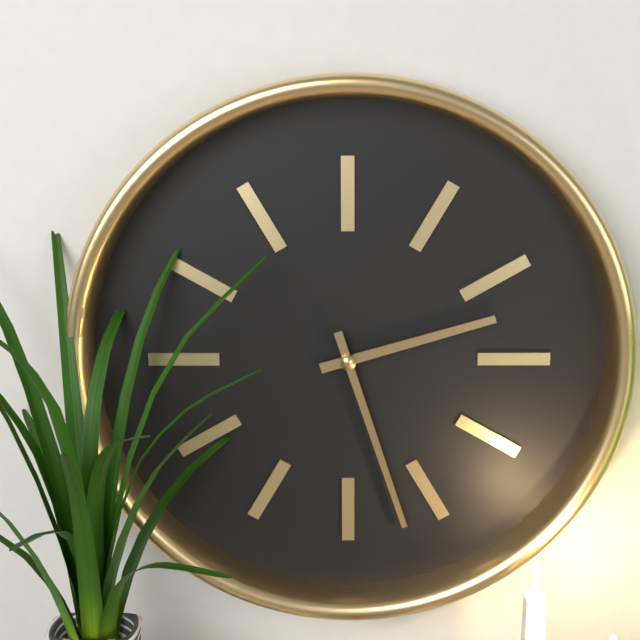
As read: 2h27
